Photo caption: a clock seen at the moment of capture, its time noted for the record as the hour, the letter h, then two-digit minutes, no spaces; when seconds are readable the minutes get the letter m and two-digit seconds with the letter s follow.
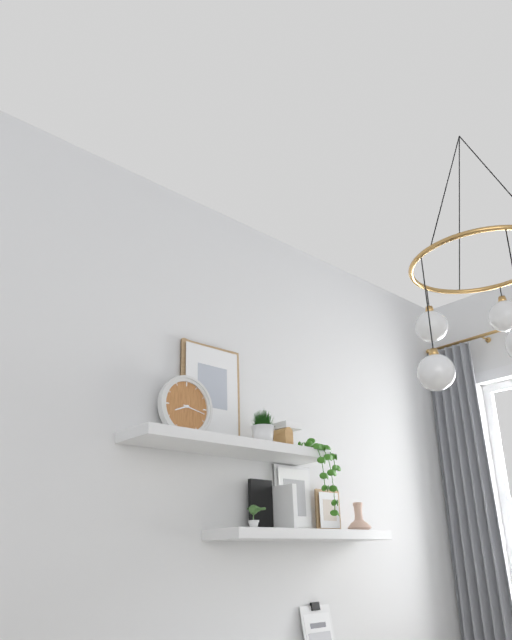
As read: 8h17
